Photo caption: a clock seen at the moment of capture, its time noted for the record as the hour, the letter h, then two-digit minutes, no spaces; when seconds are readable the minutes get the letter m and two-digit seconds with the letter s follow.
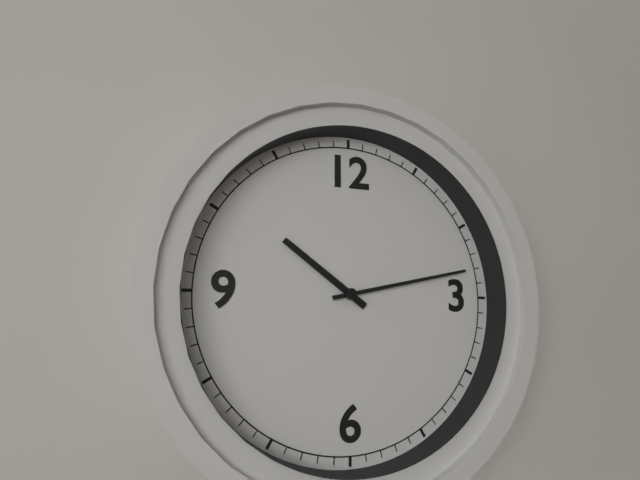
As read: 10h13
